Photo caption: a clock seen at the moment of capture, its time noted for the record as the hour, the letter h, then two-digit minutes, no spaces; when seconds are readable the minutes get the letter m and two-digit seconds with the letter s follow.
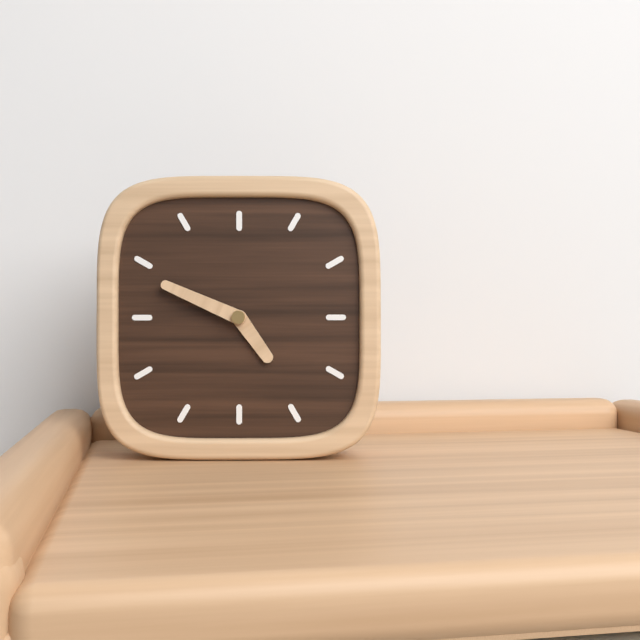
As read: 4h49
